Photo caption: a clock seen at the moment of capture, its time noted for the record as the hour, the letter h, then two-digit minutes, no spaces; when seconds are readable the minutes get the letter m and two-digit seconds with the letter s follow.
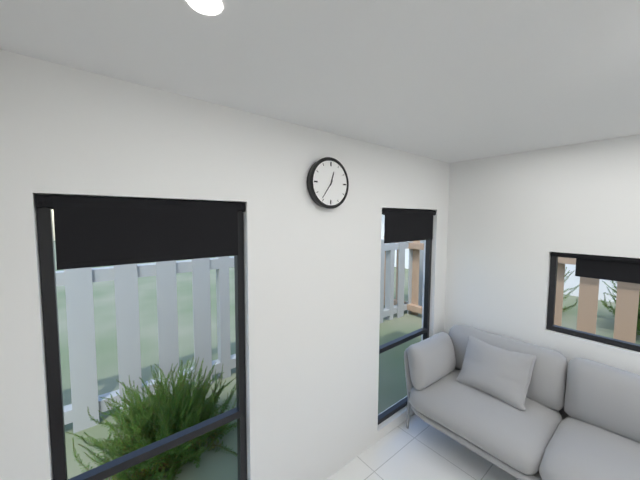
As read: 12h36
